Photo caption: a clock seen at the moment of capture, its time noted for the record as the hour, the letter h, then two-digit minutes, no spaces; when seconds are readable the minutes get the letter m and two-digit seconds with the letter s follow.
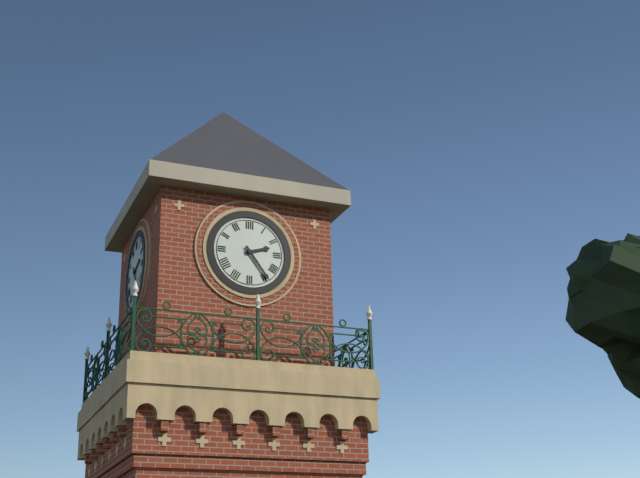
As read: 2h24
